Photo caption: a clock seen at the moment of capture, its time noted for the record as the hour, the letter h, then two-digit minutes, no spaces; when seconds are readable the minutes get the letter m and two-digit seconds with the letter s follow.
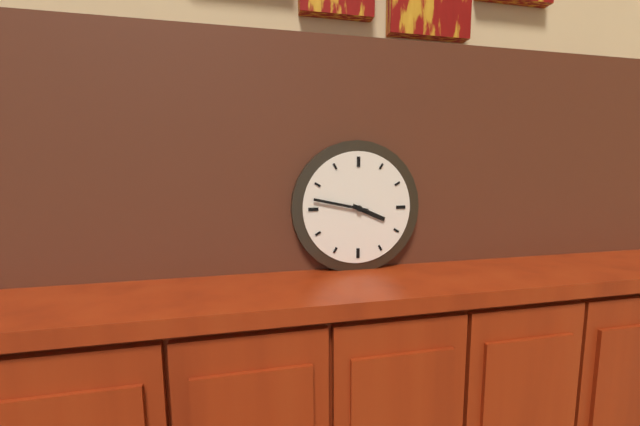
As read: 3h47
